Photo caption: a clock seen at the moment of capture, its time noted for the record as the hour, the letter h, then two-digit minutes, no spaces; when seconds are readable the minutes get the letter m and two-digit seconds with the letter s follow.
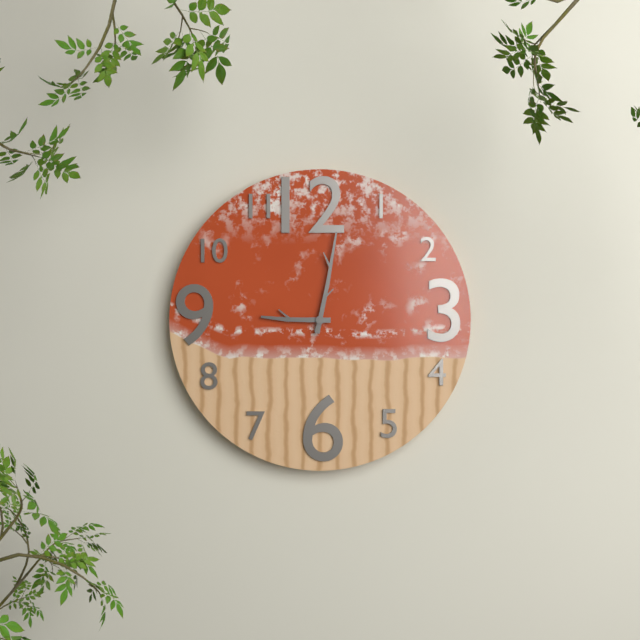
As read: 9h02
